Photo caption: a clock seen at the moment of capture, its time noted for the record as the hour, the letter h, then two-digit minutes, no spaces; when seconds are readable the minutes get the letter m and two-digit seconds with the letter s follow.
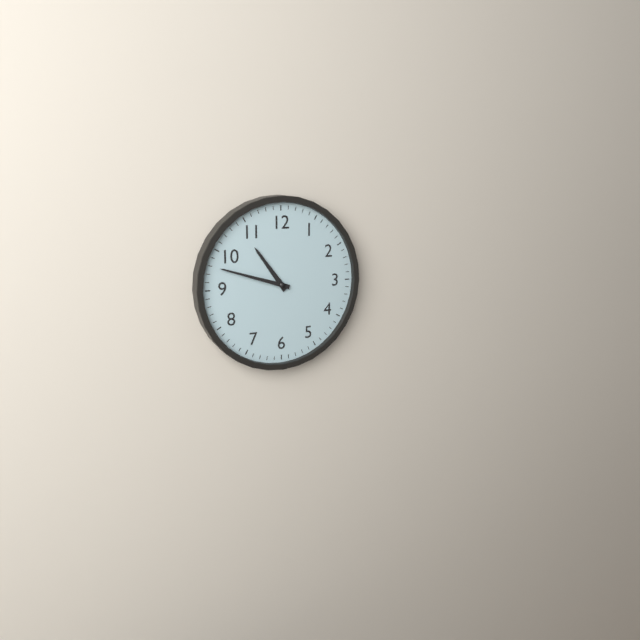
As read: 10h48
